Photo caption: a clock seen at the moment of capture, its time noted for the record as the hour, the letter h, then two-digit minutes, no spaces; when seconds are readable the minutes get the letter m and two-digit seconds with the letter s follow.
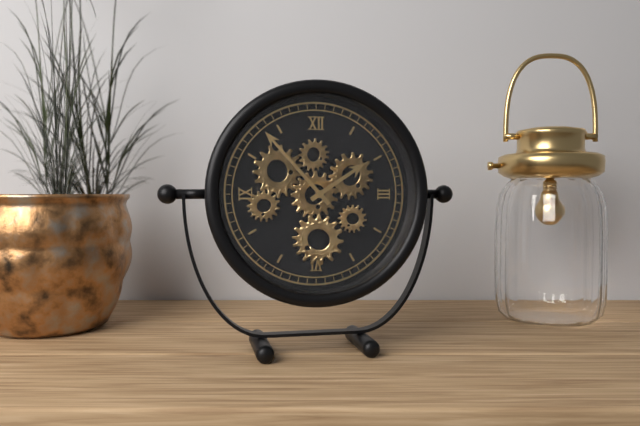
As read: 1h53
